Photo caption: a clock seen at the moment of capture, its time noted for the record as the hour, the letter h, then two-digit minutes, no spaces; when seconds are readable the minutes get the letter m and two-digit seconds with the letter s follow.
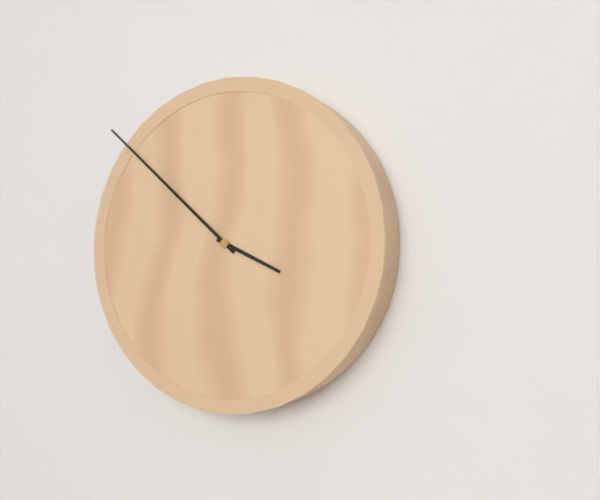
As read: 3h52
